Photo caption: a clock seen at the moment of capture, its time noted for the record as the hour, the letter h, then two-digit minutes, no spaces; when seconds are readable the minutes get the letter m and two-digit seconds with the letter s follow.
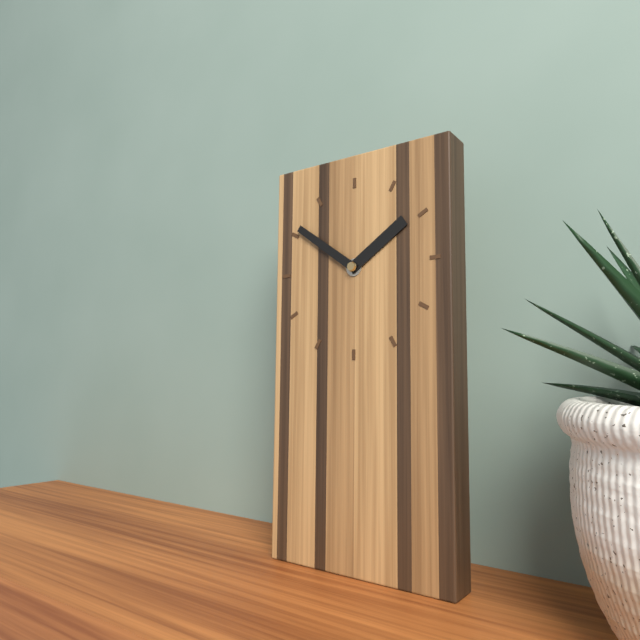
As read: 1h51
